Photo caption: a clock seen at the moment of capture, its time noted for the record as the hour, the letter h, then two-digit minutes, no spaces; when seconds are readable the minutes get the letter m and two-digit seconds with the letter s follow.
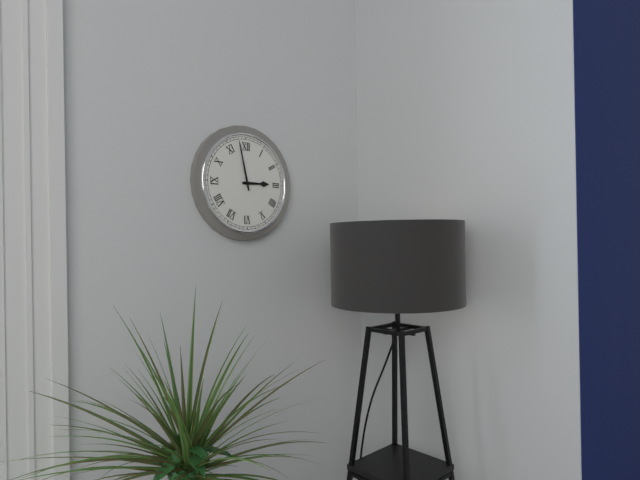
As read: 2h58
